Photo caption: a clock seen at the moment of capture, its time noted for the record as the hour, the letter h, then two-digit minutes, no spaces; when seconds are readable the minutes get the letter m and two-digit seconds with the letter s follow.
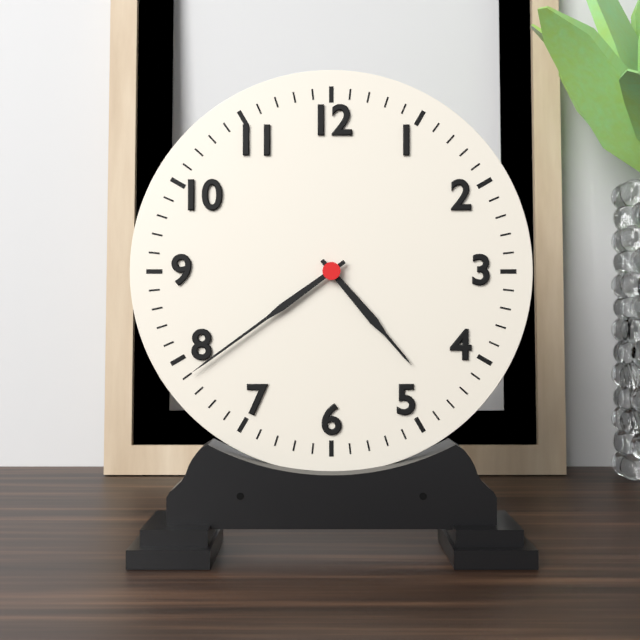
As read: 4h39
